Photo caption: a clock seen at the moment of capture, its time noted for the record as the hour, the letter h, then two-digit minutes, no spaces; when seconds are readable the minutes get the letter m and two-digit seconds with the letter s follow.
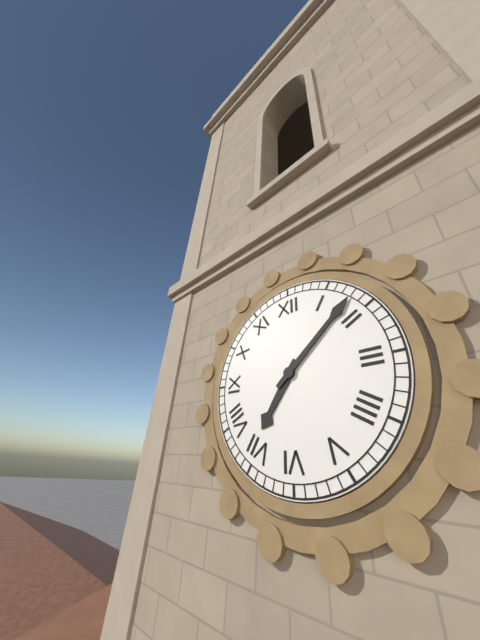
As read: 7h08
